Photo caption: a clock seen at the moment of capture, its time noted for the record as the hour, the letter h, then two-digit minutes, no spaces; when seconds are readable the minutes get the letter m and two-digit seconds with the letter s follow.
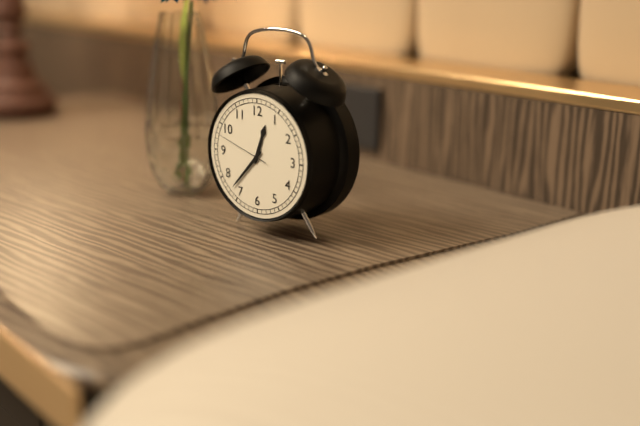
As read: 12h37m48s
